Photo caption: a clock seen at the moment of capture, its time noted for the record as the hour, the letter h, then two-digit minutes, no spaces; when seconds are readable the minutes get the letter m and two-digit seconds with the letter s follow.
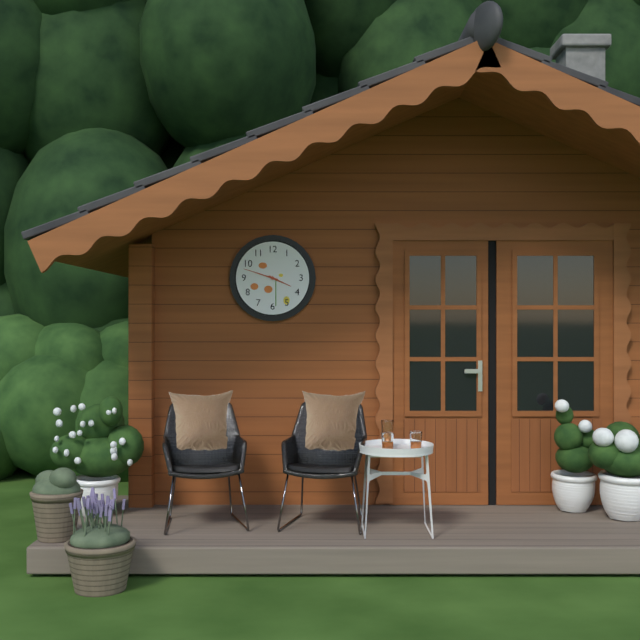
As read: 3h48
